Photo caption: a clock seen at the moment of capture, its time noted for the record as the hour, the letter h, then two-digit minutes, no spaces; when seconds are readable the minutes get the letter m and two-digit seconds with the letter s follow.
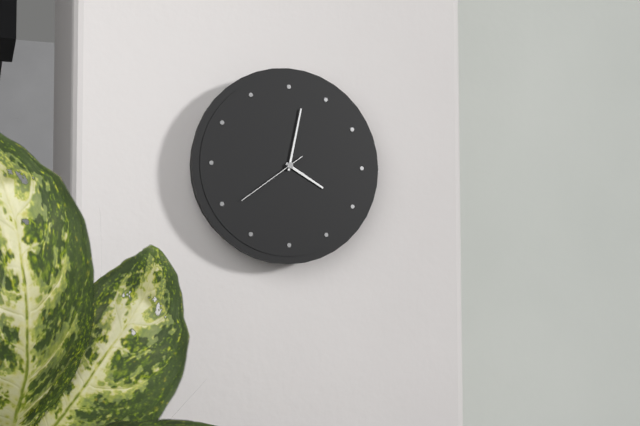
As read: 4h02m39s
